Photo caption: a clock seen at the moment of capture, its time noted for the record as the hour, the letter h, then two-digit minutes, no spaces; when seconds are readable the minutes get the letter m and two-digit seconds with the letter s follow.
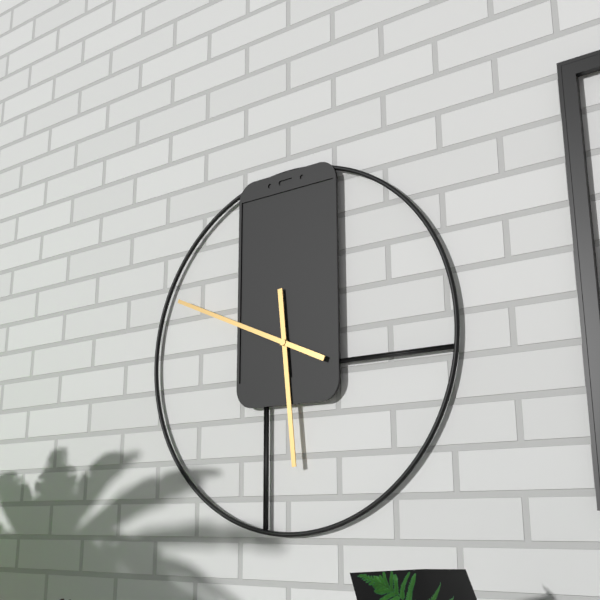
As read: 5h49
